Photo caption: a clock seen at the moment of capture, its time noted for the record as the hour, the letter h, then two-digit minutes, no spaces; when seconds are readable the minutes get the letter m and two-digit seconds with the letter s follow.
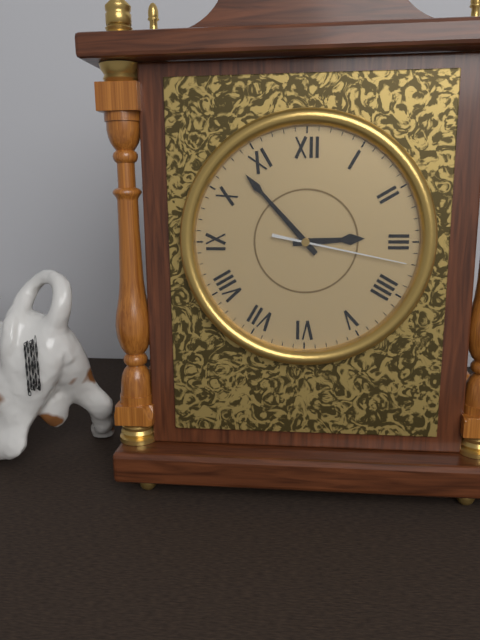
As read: 2h53m17s
